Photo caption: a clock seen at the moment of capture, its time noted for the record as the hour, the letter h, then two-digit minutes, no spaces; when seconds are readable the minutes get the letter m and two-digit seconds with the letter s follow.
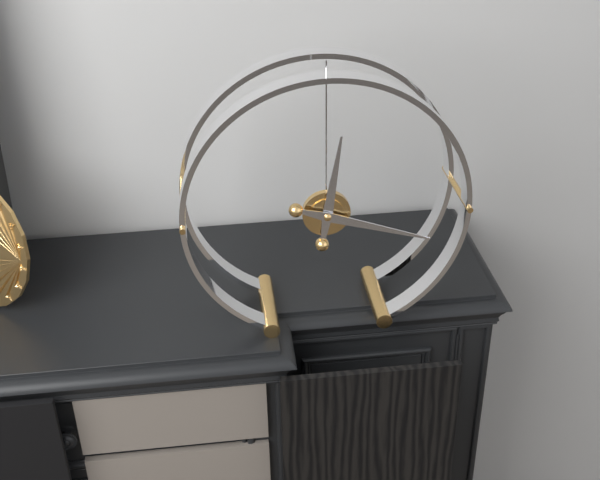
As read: 12h18
